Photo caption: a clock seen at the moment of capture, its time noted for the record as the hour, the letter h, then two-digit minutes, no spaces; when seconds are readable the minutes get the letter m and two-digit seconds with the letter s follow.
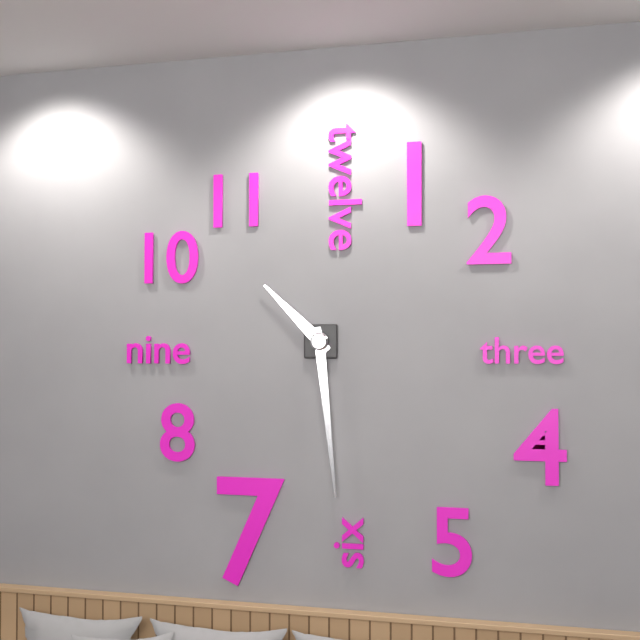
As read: 10h29
